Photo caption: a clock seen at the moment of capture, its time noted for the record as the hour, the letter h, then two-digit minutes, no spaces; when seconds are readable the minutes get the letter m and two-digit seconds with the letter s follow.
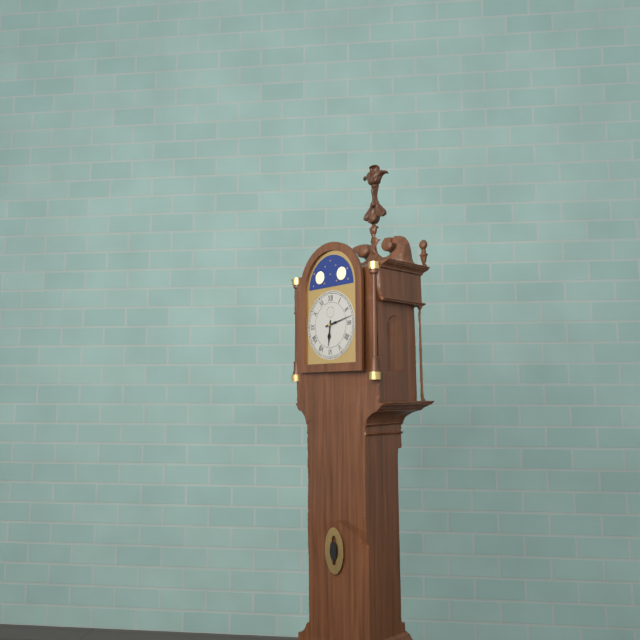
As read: 6h13
